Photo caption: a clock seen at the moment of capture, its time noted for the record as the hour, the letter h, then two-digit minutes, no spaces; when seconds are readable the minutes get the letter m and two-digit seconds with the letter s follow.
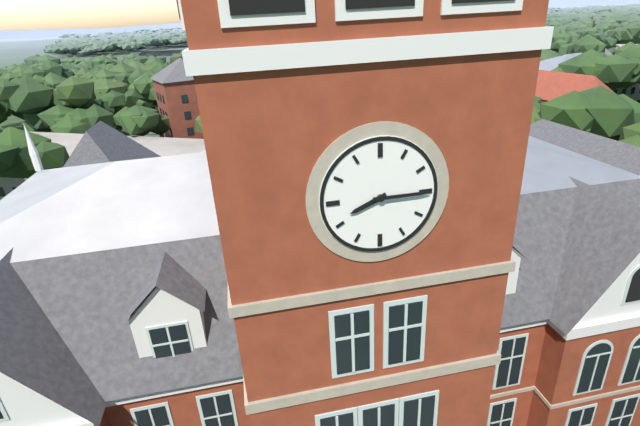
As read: 8h15
